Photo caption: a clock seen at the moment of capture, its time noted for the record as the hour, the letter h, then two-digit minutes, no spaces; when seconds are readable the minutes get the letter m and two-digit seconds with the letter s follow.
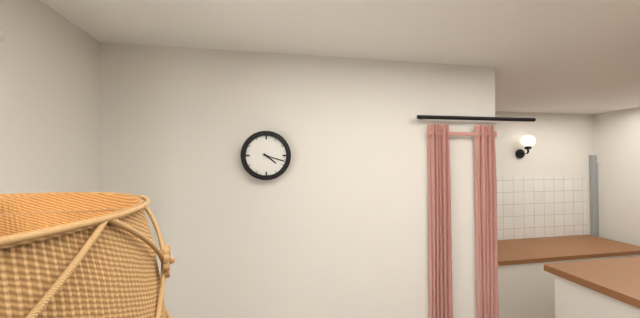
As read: 4h18
